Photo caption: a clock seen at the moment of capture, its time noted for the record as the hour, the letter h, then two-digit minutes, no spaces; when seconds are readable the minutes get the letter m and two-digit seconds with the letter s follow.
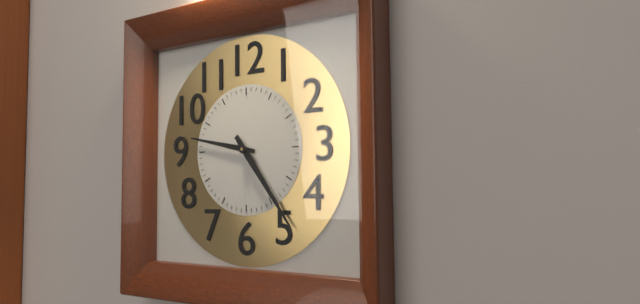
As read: 9h24
